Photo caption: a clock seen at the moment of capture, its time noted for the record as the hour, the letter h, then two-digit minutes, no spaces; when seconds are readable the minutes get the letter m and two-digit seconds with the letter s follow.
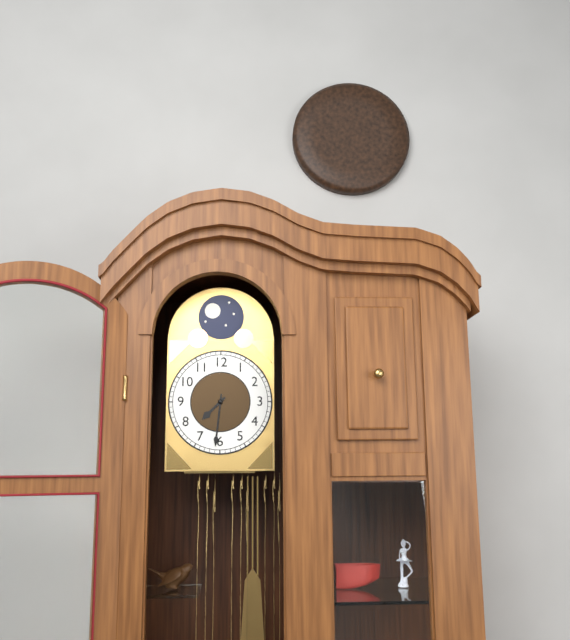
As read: 7h31
